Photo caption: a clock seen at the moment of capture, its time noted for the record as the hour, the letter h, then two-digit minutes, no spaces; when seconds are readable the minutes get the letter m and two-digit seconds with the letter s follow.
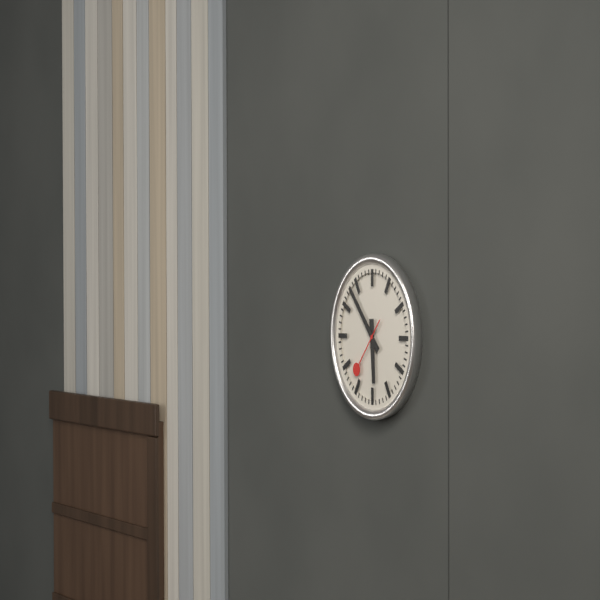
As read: 5h53m37s
